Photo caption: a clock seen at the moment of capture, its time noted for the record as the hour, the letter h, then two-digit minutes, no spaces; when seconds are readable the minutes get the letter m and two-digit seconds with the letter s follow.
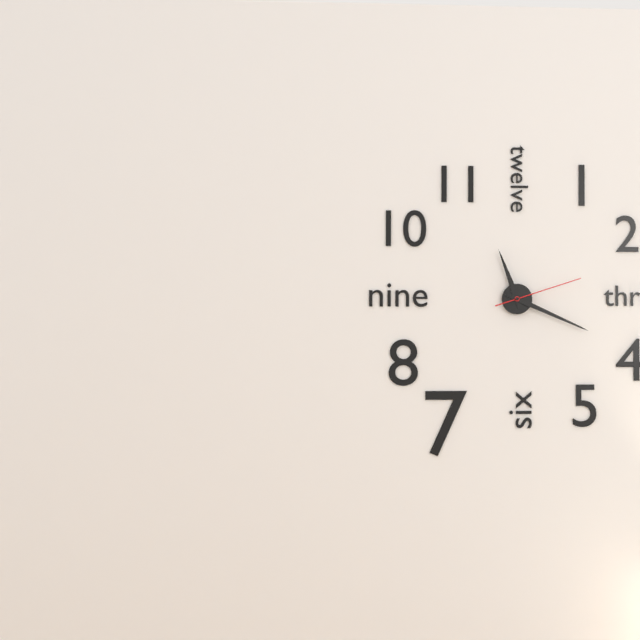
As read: 11h19m12s
